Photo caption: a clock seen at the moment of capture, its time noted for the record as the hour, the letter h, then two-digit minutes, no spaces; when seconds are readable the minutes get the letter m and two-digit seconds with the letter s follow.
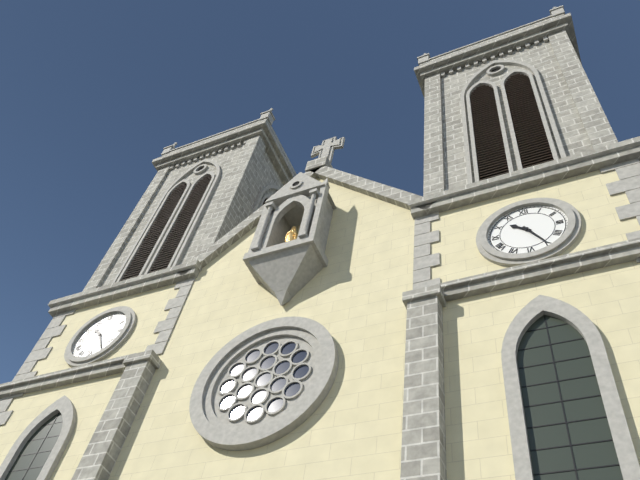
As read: 10h25
